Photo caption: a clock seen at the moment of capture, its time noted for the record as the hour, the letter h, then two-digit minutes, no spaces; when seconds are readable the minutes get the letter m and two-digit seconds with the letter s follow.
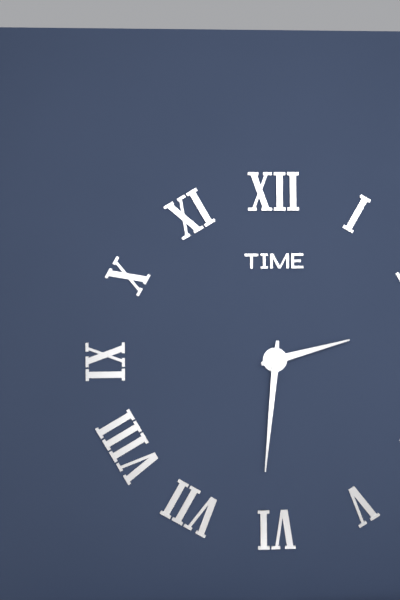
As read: 2h31
